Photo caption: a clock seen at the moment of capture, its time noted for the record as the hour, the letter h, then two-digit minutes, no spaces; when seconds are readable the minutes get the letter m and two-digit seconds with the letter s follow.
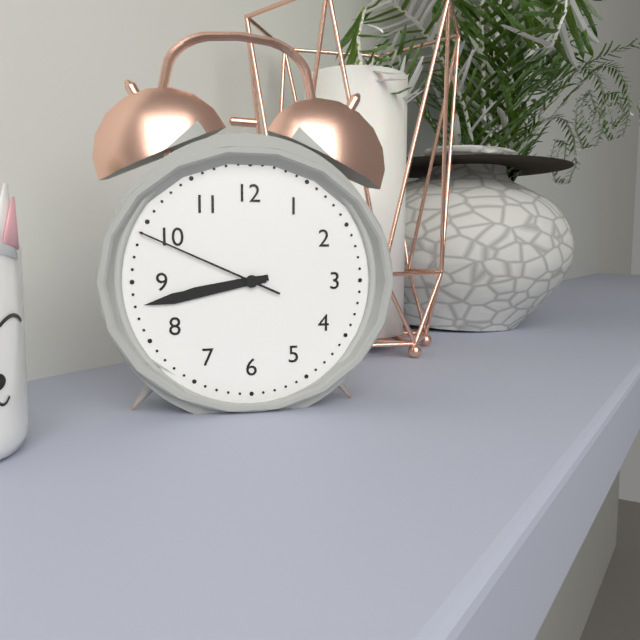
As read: 8h43m49s
